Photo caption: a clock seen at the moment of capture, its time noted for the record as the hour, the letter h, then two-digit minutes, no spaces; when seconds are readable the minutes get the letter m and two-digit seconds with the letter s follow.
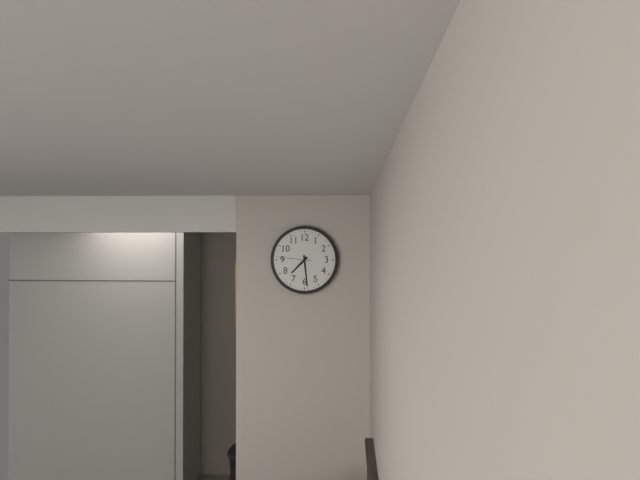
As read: 7h29
